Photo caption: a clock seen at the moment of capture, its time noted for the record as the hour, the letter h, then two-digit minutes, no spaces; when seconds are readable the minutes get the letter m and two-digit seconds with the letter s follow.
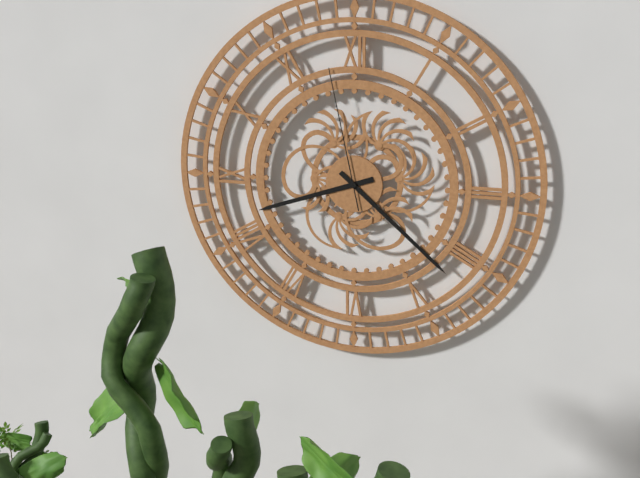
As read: 8h22m58s
